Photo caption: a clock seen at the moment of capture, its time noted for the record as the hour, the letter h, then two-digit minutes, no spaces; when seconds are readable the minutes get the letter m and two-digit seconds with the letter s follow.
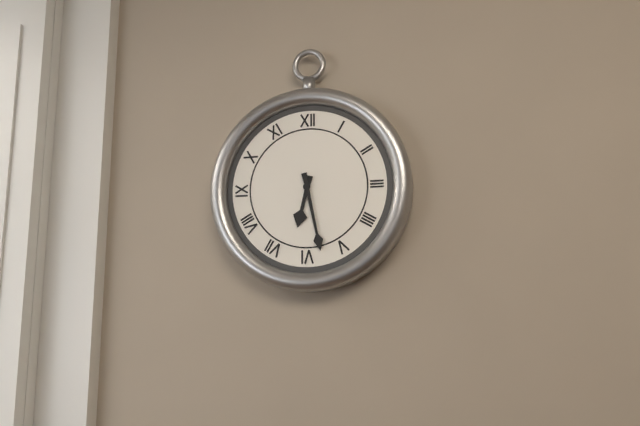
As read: 6h28
